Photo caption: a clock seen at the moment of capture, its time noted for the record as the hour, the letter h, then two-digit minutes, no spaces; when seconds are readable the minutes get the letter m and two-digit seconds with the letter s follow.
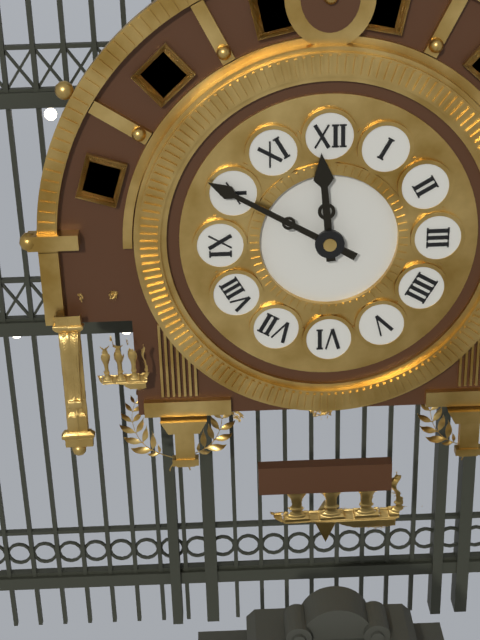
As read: 11h50
